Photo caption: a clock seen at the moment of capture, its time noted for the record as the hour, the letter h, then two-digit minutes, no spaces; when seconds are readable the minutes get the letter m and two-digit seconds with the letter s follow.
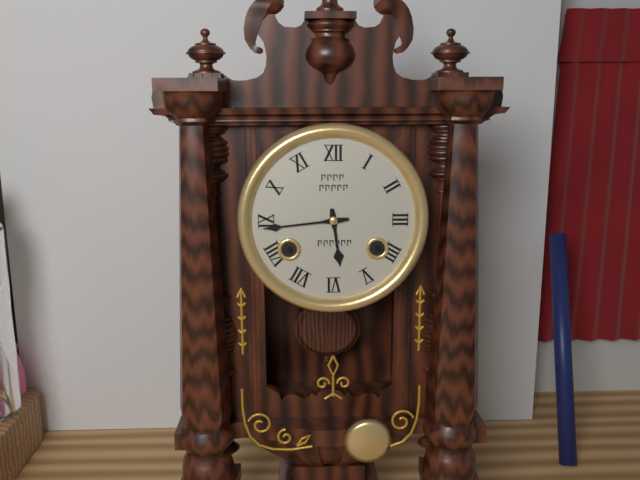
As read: 5h44
